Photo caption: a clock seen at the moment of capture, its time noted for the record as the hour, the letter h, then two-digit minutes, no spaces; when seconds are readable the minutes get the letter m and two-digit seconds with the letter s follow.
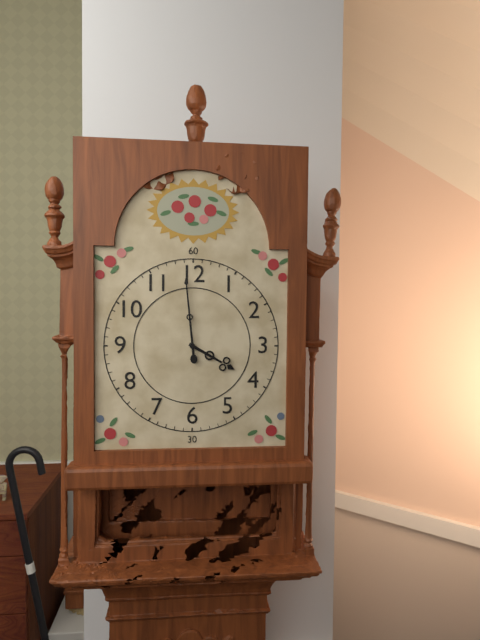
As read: 3h59
